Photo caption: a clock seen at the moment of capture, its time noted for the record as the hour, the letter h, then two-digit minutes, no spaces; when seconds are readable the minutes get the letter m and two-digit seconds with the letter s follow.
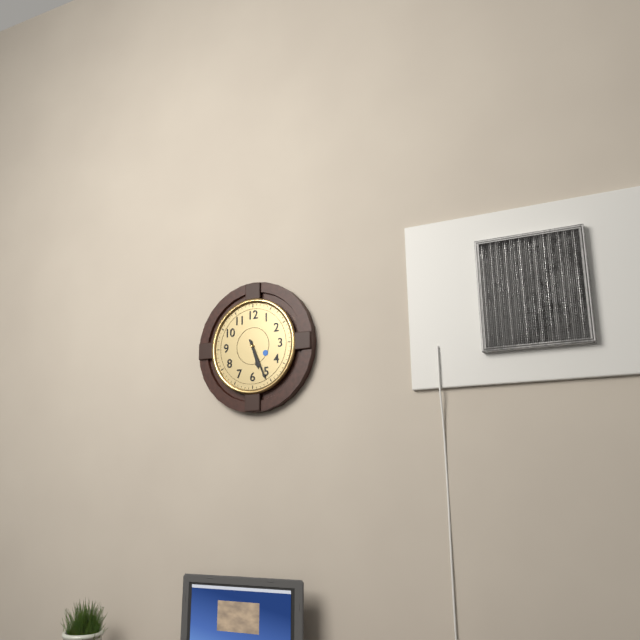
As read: 5h26
